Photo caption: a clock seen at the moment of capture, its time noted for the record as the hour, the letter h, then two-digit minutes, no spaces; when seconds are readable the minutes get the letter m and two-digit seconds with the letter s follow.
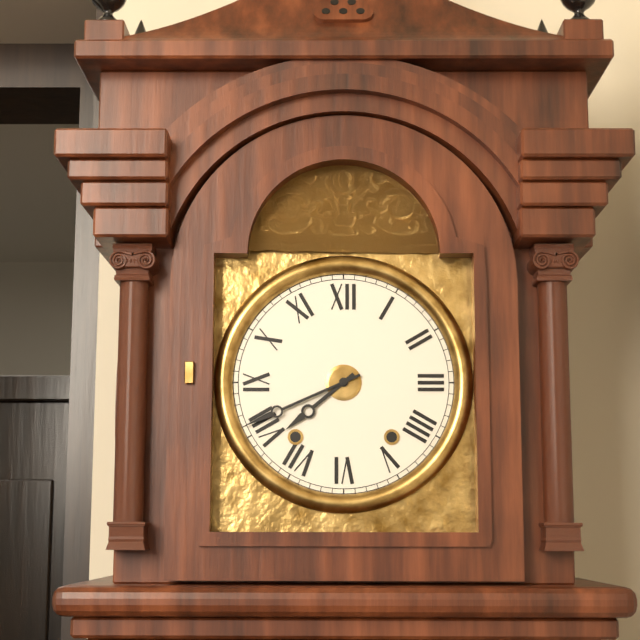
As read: 7h41
